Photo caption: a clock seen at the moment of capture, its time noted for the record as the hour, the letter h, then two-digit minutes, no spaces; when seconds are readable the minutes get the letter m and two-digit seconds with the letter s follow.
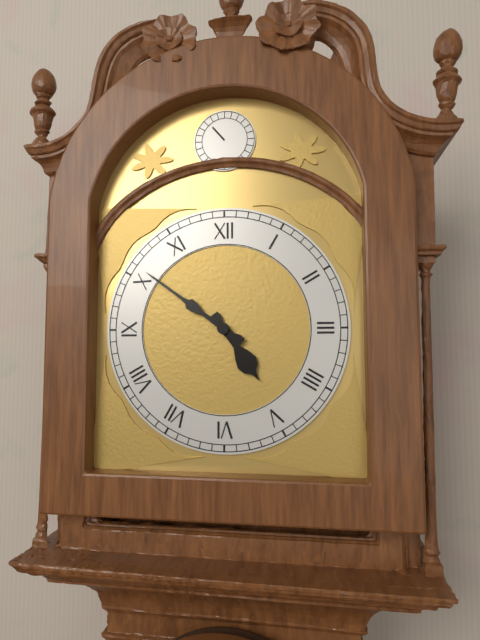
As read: 4h51
